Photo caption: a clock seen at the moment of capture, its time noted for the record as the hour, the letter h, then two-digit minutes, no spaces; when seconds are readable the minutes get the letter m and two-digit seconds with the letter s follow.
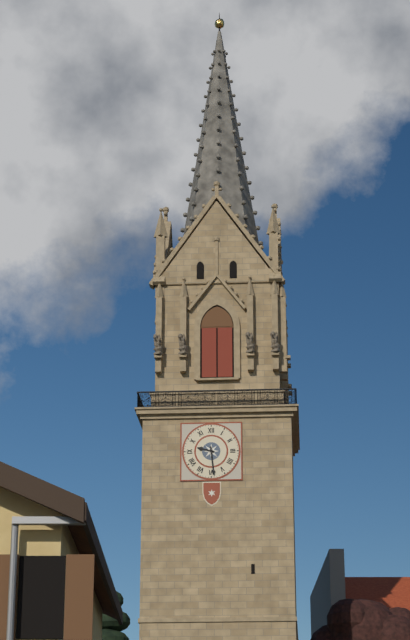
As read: 9h29
